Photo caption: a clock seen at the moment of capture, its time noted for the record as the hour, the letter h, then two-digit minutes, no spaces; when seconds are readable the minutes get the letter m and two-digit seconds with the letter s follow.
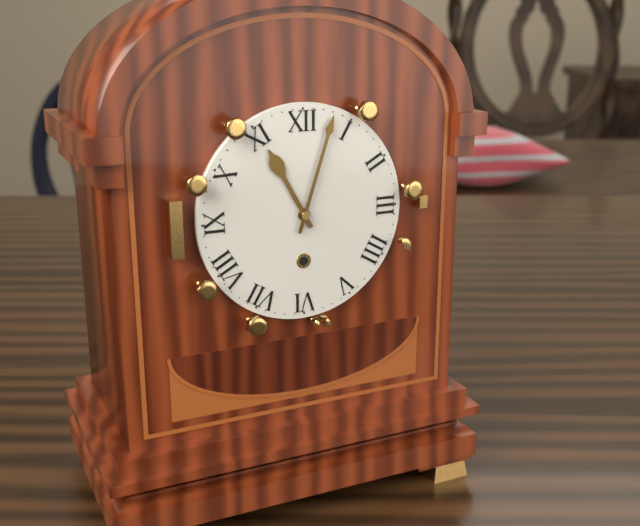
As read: 11h03
